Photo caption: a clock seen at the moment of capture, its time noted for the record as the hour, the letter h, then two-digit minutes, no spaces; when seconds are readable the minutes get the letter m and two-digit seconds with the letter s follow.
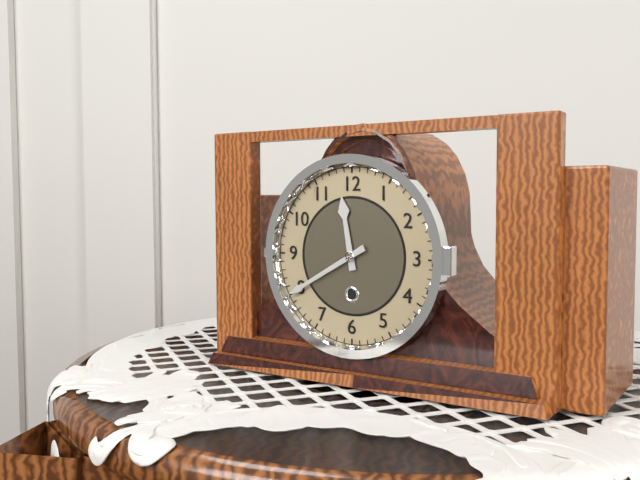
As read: 11h40
